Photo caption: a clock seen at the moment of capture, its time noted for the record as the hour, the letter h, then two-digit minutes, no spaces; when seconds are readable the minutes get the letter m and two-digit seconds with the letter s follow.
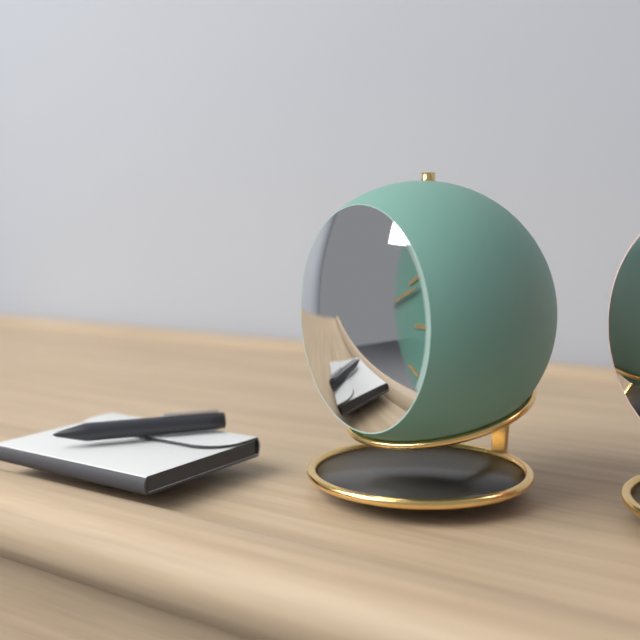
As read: 9h11m34s
